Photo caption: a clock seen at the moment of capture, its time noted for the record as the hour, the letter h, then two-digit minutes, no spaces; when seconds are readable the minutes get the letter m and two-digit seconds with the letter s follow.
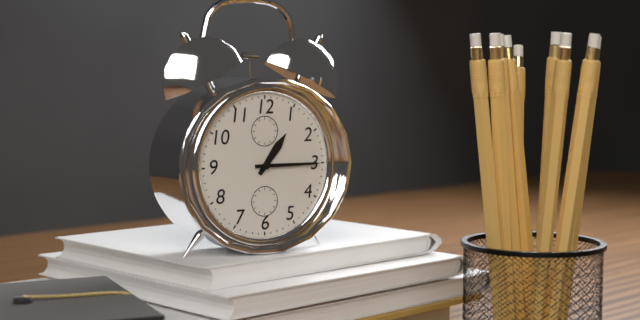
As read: 1h15
